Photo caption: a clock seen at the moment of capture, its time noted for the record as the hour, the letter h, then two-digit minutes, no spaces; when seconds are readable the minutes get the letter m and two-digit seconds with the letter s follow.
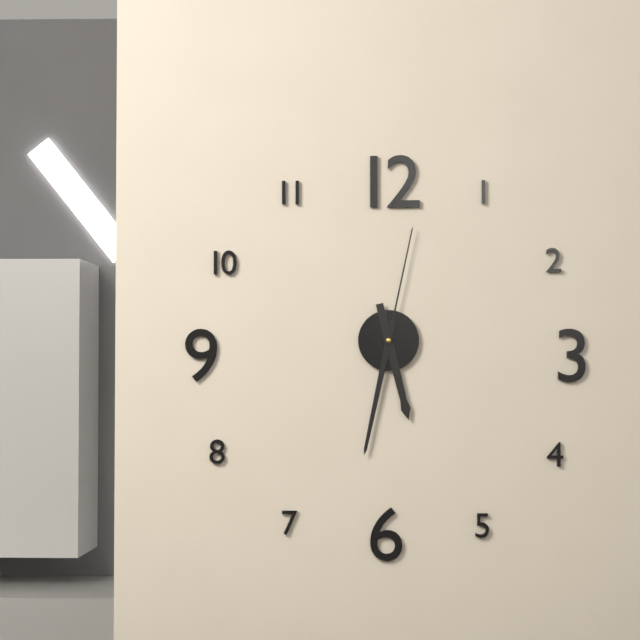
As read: 5h32m02s
